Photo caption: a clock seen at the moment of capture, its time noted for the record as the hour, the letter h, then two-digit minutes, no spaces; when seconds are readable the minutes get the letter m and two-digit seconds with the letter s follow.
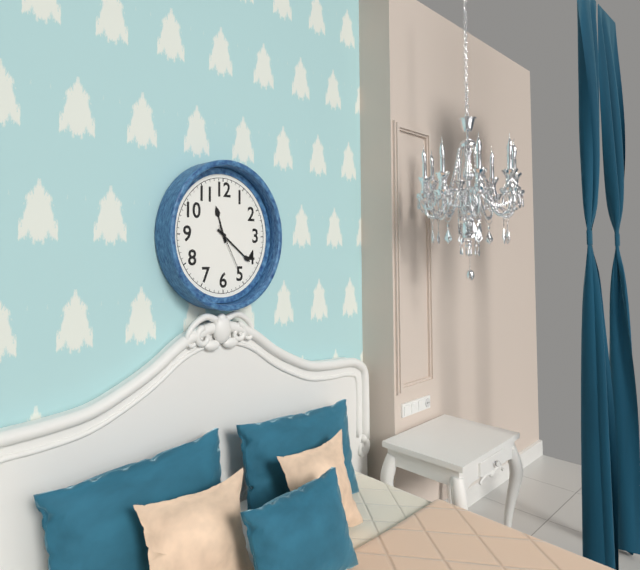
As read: 11h21
